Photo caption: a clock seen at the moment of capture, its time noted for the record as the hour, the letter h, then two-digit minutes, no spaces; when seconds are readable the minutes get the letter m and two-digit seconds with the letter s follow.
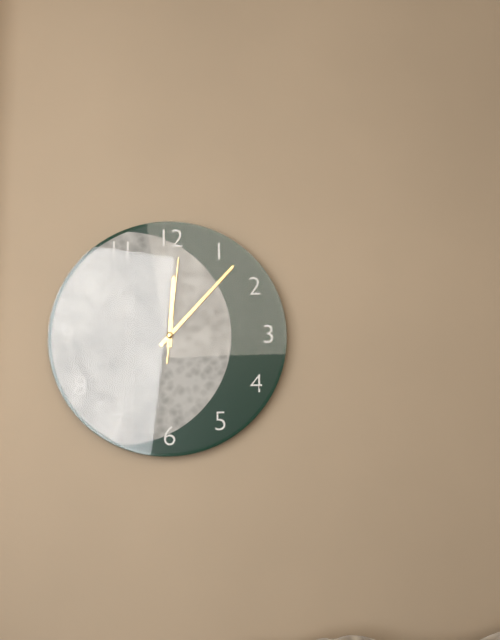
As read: 12h07m01s
